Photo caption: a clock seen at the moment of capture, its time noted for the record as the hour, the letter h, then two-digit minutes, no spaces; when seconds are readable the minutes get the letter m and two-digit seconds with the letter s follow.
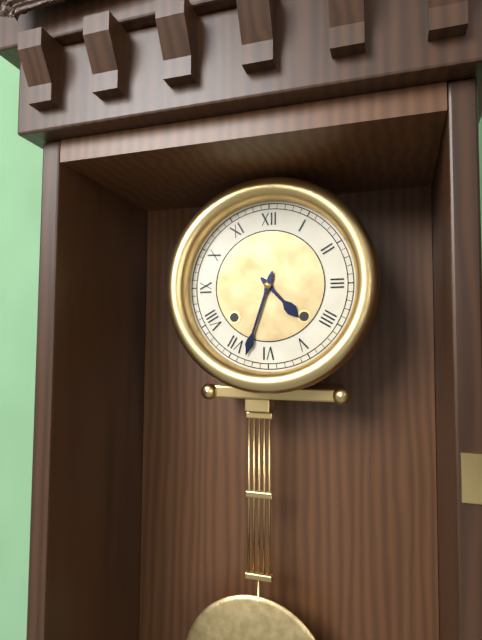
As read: 4h33
